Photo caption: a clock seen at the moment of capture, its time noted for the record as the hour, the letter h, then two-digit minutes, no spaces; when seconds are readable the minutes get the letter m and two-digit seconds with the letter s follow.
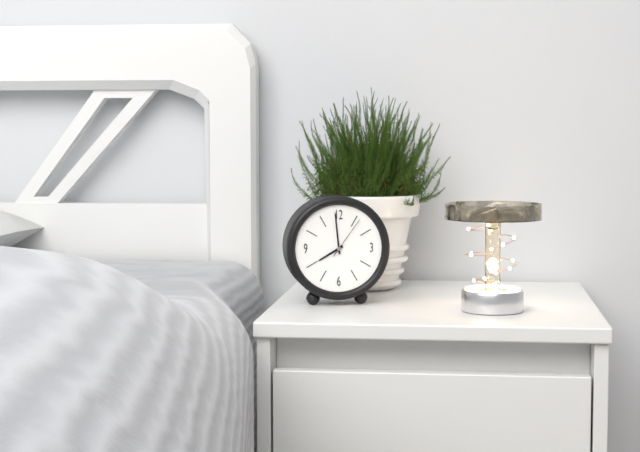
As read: 7h59
